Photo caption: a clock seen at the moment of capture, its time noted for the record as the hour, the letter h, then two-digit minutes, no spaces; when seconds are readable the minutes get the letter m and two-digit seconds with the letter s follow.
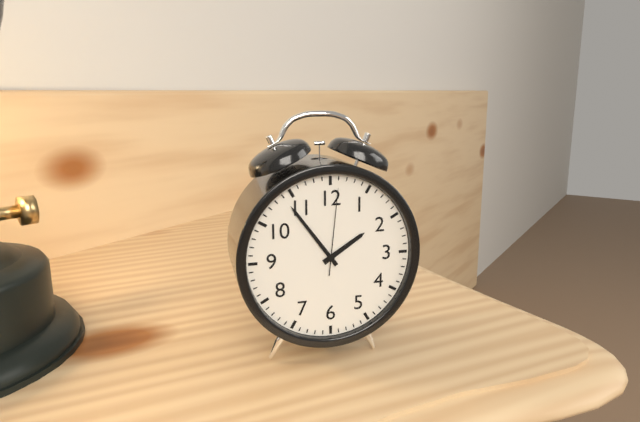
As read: 1h54m01s
